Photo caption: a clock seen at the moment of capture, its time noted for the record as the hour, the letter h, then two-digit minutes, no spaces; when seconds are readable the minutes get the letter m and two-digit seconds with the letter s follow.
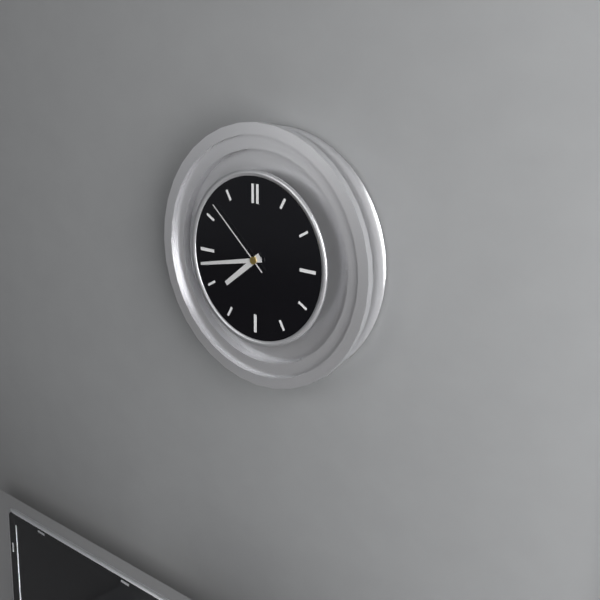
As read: 7h43m52s
